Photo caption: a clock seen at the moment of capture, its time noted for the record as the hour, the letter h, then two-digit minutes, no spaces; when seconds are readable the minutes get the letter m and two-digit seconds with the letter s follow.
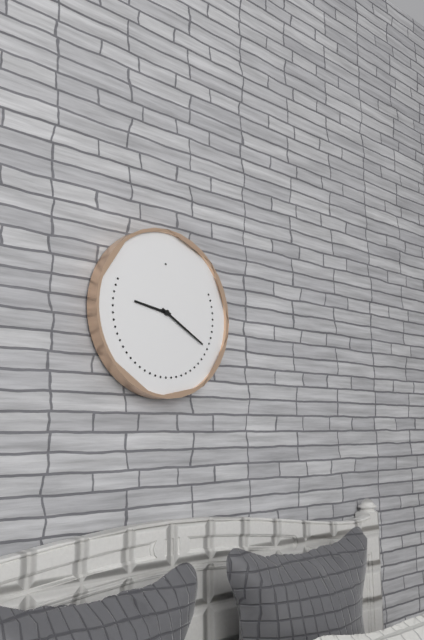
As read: 9h20
